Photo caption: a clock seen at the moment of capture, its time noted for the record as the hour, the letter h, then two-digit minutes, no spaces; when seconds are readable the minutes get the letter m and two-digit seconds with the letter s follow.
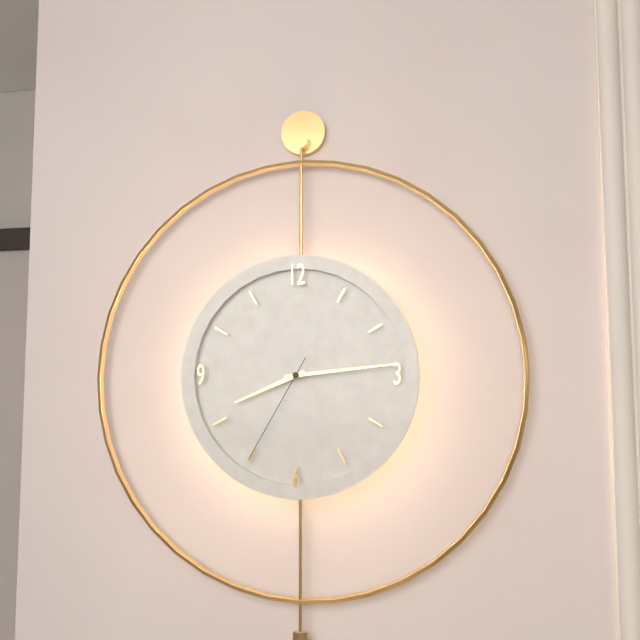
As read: 8h14m35s
